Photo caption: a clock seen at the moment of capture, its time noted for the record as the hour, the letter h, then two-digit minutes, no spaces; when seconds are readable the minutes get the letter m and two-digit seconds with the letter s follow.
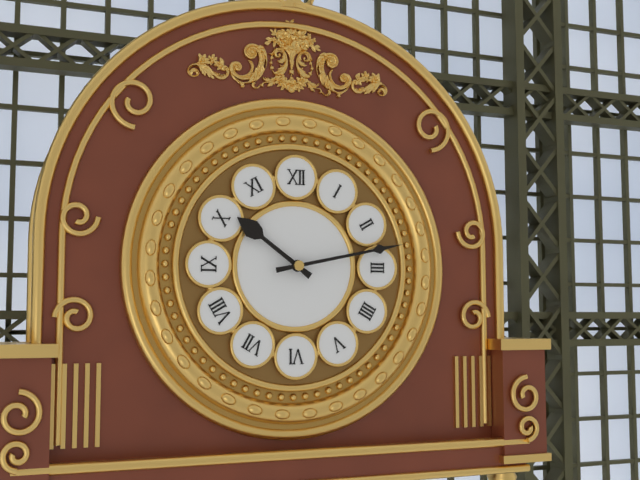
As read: 10h13
